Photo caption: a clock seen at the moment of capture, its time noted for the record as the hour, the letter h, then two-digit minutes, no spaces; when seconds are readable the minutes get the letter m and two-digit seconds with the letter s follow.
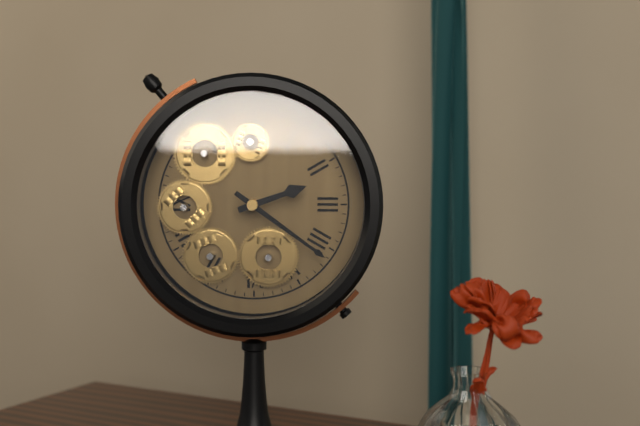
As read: 2h21
